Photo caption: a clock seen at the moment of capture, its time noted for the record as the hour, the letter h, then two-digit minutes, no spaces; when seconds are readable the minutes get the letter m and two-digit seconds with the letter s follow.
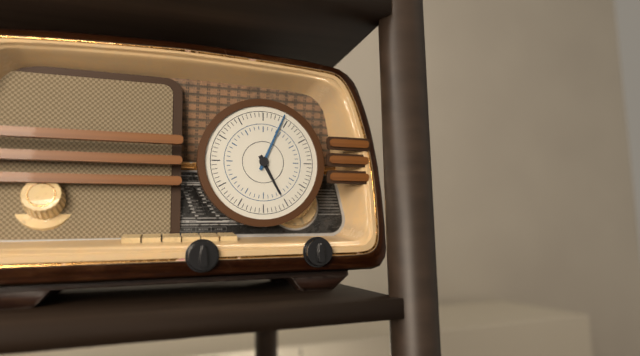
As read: 5h04
